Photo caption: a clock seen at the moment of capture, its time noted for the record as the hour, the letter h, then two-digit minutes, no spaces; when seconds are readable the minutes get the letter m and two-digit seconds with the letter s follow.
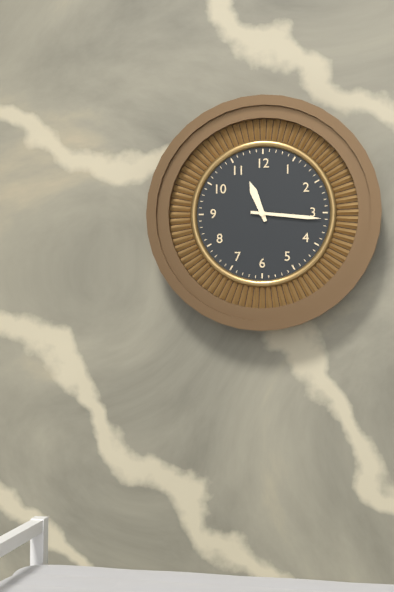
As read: 11h16
